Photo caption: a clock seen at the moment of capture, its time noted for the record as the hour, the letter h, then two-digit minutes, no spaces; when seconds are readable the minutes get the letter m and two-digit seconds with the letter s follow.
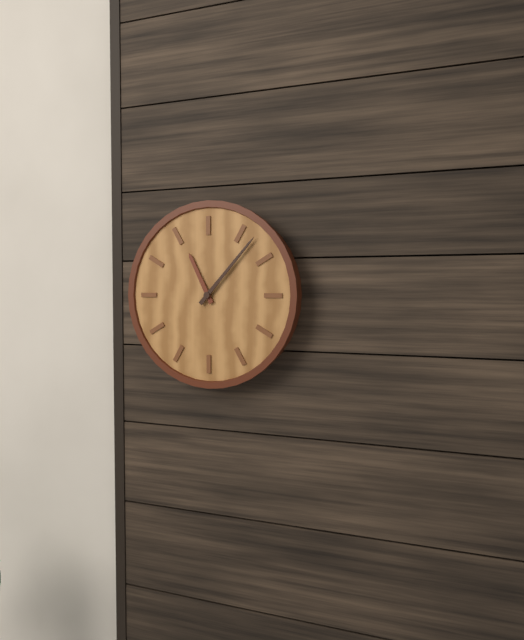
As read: 11h07
